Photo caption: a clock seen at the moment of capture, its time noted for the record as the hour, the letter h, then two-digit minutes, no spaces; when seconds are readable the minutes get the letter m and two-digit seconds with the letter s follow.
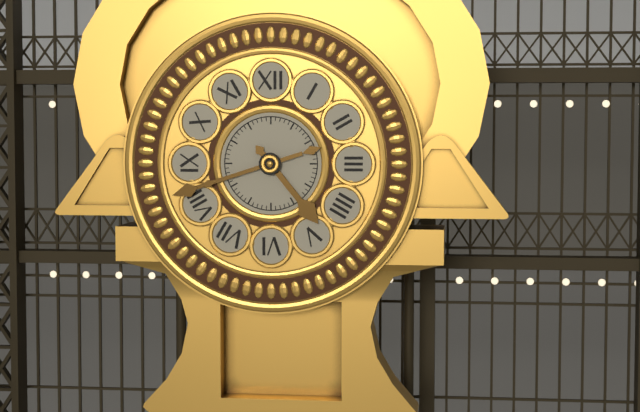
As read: 4h42
